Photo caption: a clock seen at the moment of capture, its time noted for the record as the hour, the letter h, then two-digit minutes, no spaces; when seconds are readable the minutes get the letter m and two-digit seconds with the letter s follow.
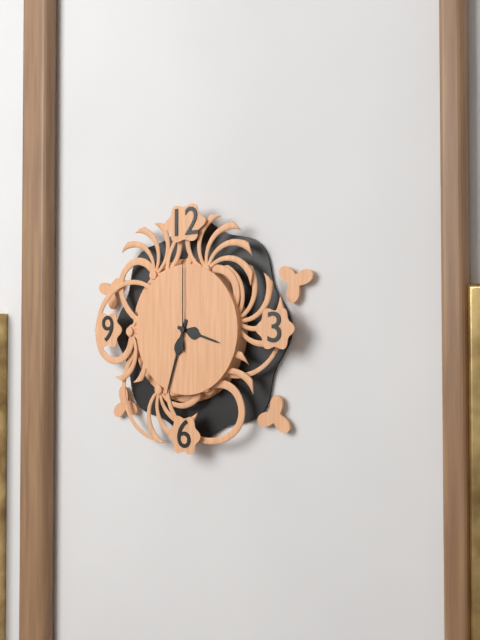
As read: 3h33m00s
